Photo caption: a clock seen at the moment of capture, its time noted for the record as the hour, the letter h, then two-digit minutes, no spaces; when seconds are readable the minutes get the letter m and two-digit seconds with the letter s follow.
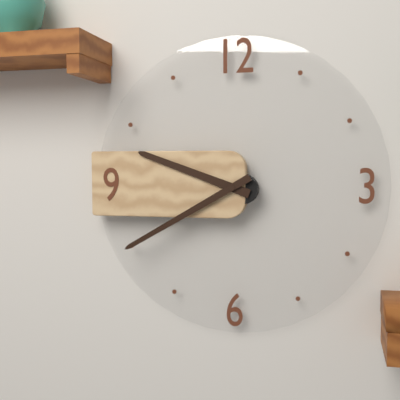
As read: 9h40
